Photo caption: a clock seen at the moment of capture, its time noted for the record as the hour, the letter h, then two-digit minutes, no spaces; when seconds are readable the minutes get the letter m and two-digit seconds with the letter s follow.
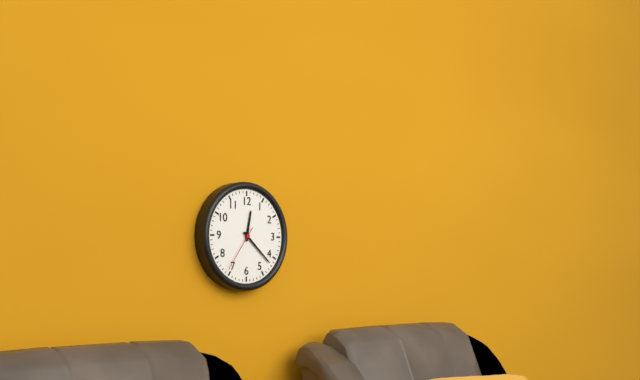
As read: 12h22
